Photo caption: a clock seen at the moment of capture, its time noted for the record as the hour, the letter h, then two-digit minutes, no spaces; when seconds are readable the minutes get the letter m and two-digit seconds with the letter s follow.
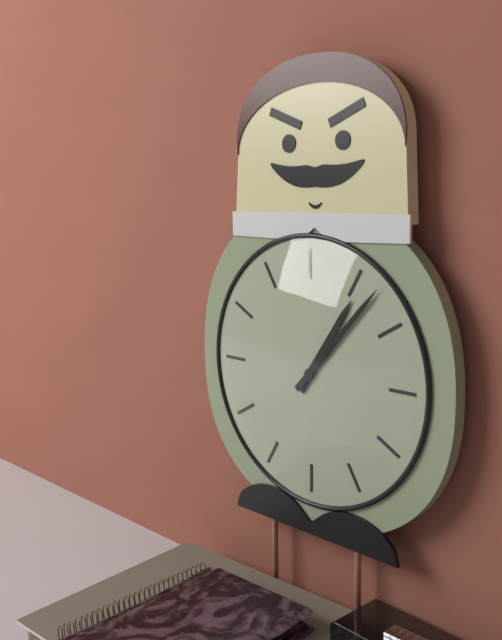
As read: 1h07
